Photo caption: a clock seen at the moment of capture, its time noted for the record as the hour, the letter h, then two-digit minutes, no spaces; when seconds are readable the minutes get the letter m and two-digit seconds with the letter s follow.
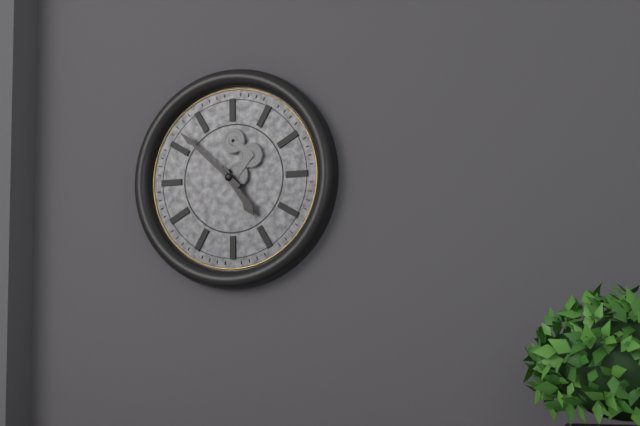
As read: 4h52
